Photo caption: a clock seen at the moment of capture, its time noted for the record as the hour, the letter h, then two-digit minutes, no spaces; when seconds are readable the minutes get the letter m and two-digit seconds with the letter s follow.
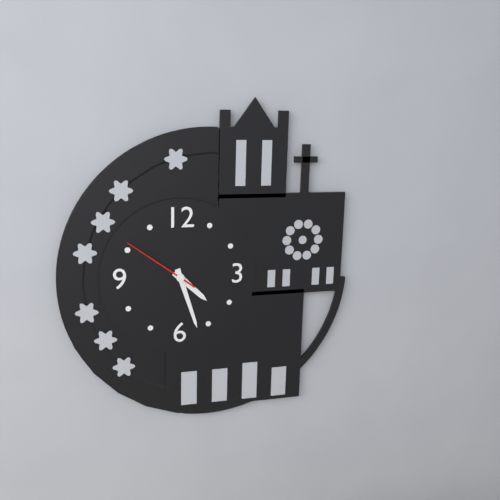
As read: 4h27m51s
